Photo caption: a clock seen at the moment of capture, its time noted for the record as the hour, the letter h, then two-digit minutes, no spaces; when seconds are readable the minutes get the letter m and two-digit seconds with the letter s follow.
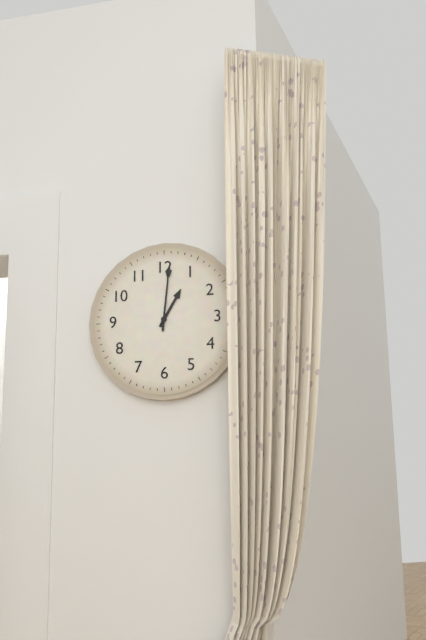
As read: 1h01
